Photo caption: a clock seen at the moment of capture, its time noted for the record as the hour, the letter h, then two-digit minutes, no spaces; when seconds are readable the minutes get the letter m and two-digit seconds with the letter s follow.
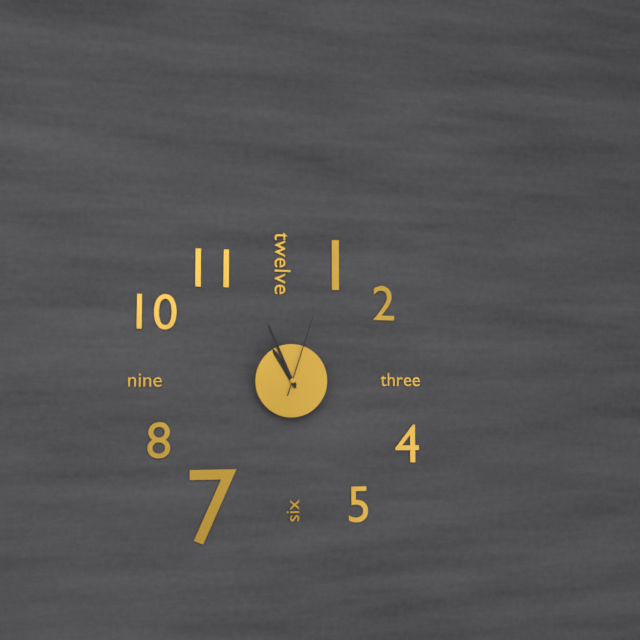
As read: 10h56m03s
